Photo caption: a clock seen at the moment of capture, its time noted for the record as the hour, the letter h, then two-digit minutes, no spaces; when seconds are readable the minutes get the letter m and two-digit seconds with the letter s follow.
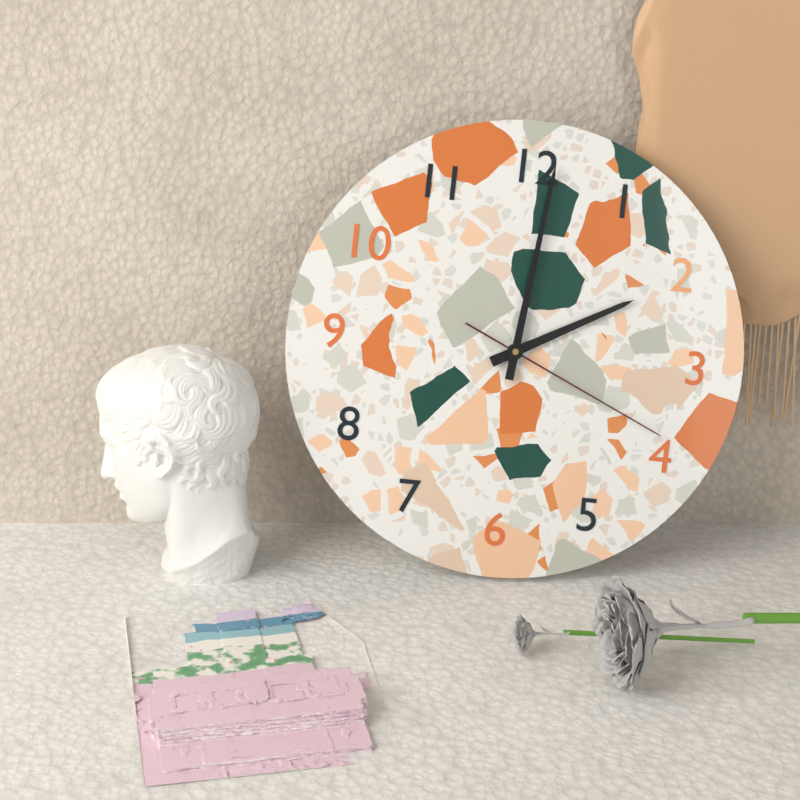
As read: 2h01m19s
